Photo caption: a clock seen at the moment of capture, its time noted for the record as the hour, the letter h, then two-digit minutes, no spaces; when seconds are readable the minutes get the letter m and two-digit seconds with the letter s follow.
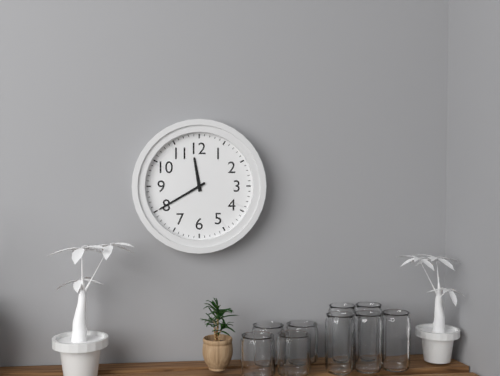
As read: 11h40
